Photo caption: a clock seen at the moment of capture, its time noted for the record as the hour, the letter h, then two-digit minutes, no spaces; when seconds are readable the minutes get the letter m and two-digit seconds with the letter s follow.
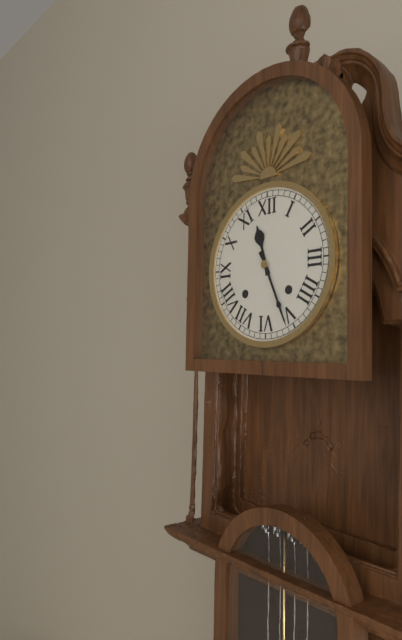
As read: 11h26
